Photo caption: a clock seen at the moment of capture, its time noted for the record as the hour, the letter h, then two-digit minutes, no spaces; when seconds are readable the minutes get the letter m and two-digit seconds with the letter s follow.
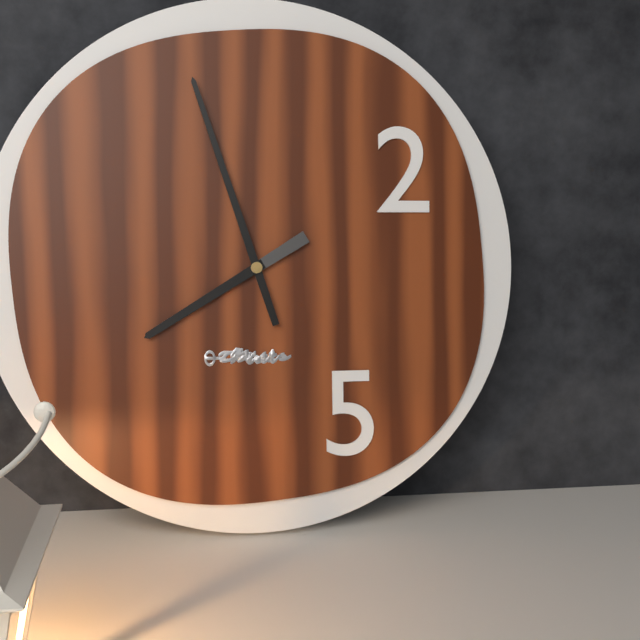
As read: 7h57
